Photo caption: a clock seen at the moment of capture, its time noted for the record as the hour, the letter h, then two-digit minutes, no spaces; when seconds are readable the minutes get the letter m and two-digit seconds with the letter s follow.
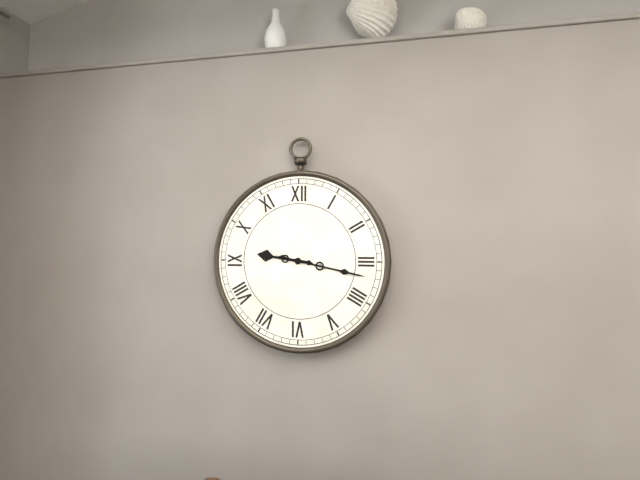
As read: 9h17
